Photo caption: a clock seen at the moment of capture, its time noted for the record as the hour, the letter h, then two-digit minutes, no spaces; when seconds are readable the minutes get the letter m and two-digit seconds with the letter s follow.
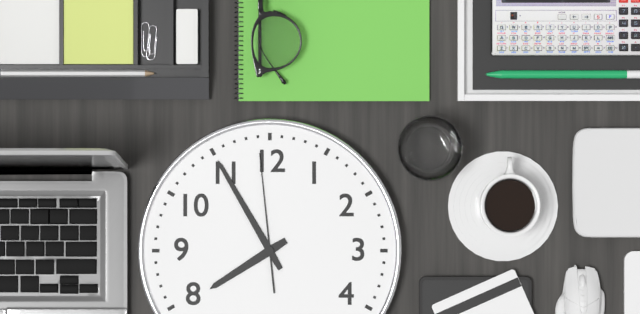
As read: 7h55m59s
